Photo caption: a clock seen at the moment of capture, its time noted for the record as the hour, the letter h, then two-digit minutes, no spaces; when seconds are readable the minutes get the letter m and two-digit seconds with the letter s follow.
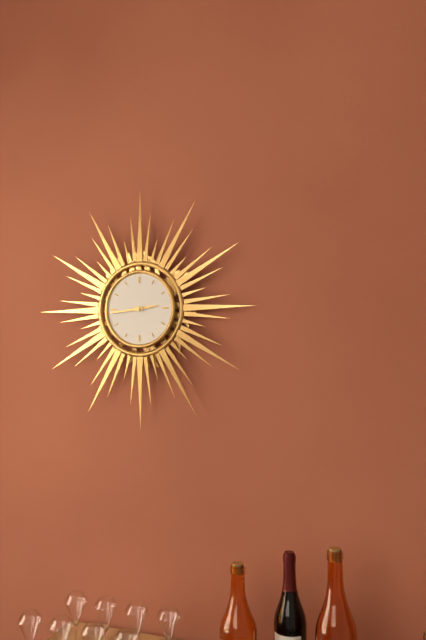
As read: 2h44
